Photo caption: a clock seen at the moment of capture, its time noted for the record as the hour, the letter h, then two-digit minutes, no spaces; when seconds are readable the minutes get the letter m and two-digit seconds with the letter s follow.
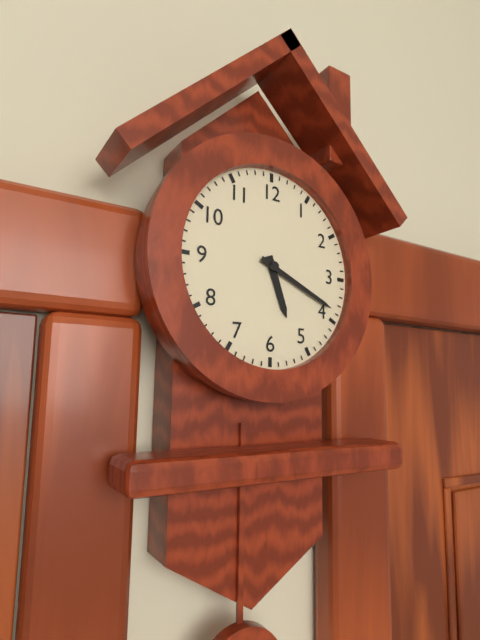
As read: 5h19
